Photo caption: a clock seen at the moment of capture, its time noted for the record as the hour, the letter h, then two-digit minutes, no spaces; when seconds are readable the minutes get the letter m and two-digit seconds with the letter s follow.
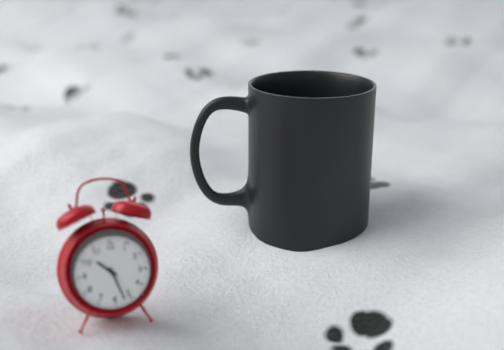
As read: 10h27
